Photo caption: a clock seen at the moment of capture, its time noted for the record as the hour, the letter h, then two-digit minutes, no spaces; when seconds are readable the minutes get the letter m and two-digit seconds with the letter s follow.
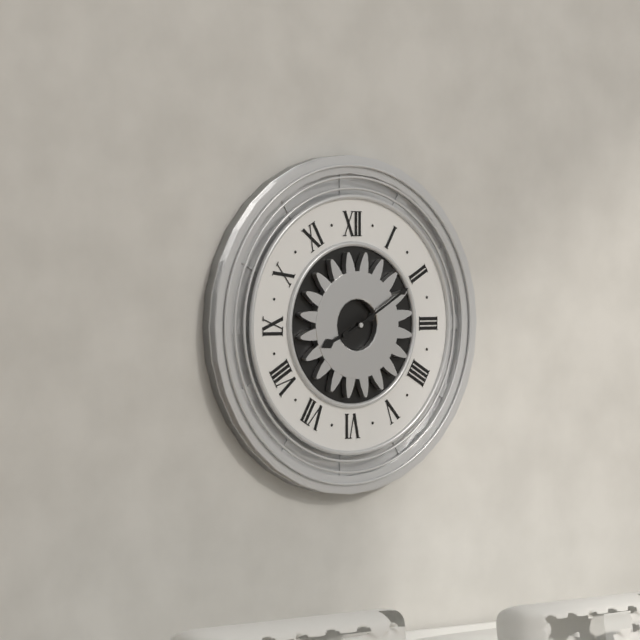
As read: 8h10
